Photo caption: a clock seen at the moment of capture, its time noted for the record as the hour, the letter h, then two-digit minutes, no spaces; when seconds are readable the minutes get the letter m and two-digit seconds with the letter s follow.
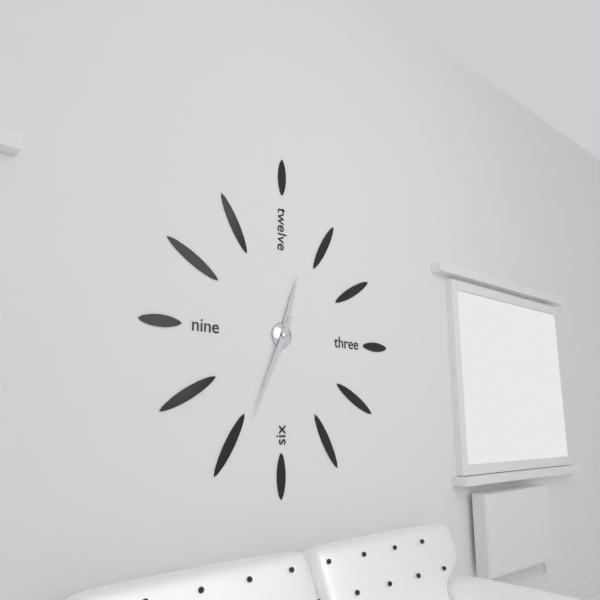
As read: 12h34
